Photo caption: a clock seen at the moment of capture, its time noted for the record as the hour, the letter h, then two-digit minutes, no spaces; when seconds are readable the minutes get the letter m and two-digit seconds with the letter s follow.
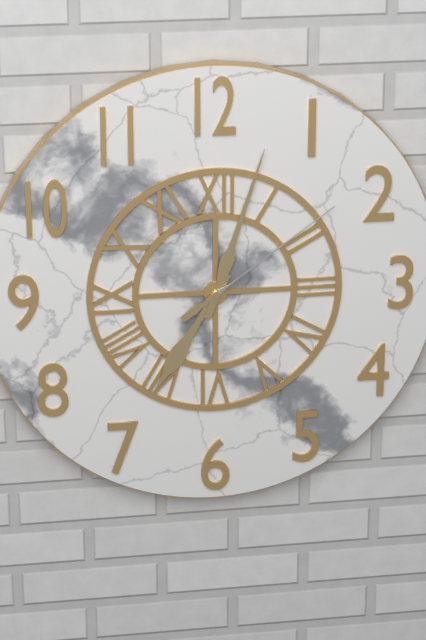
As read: 7h03m09s
